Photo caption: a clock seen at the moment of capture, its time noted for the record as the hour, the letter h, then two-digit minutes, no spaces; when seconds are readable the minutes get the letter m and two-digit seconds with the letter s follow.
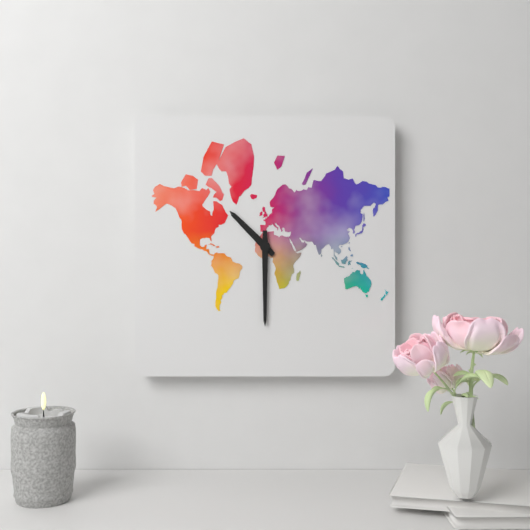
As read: 10h30
